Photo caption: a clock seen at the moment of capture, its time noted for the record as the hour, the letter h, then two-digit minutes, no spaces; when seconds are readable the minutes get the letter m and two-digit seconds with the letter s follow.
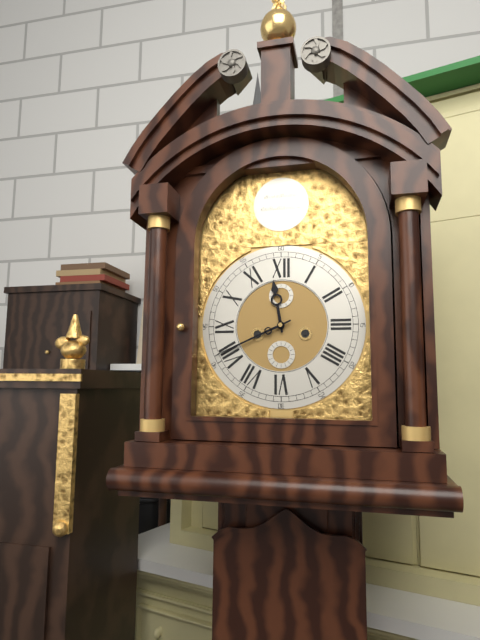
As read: 11h41
